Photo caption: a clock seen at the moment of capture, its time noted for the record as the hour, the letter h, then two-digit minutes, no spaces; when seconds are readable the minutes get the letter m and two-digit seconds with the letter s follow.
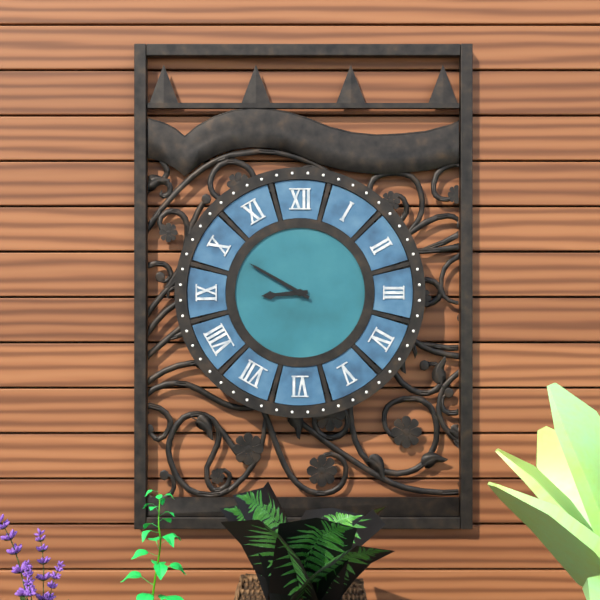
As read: 8h50
